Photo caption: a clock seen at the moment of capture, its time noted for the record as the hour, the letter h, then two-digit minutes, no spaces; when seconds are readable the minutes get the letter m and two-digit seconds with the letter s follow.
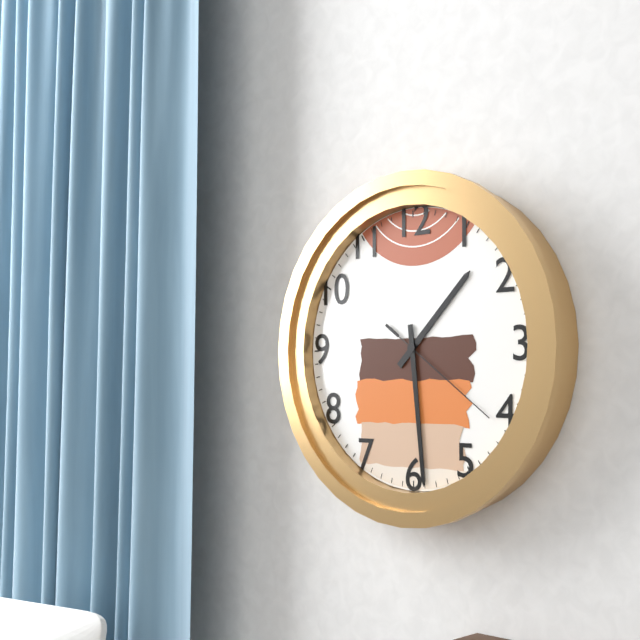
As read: 1h29m21s
